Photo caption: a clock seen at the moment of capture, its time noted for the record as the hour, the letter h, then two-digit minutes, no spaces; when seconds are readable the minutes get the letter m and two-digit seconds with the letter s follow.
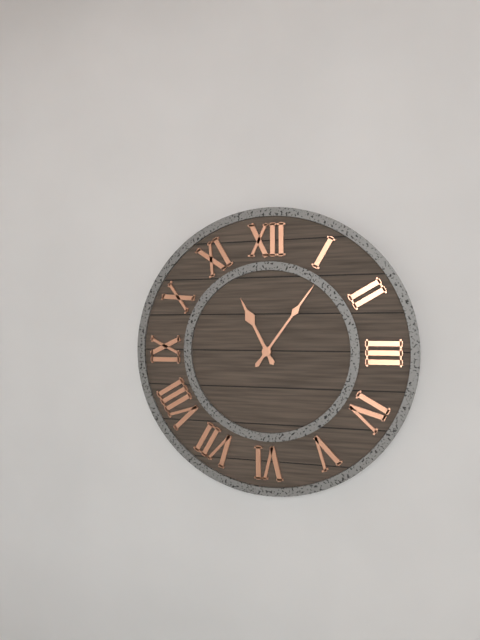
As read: 11h06
